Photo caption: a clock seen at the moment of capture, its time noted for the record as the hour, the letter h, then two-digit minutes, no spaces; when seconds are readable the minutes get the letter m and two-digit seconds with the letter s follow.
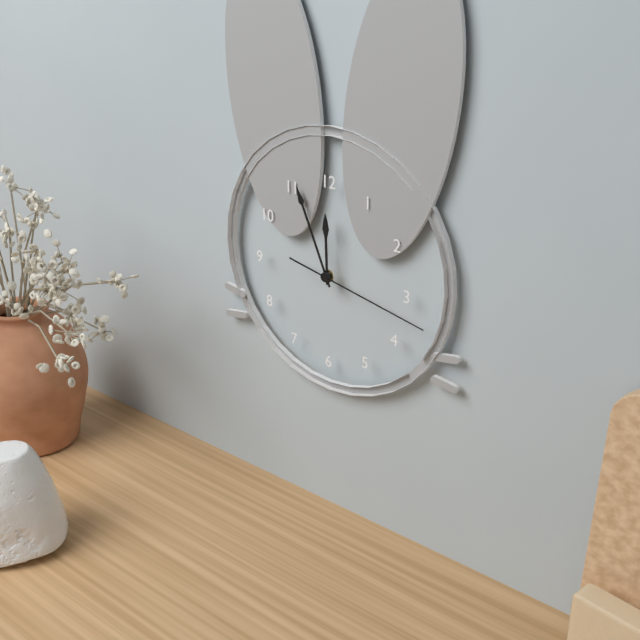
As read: 11h56m17s
